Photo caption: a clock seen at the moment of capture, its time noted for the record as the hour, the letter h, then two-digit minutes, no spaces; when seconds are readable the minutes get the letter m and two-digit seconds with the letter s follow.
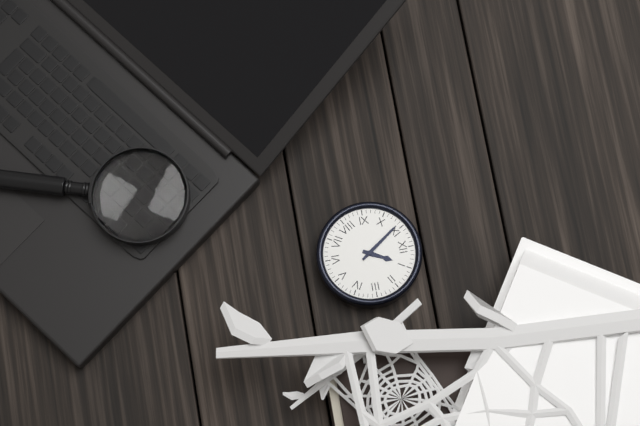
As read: 12h54
